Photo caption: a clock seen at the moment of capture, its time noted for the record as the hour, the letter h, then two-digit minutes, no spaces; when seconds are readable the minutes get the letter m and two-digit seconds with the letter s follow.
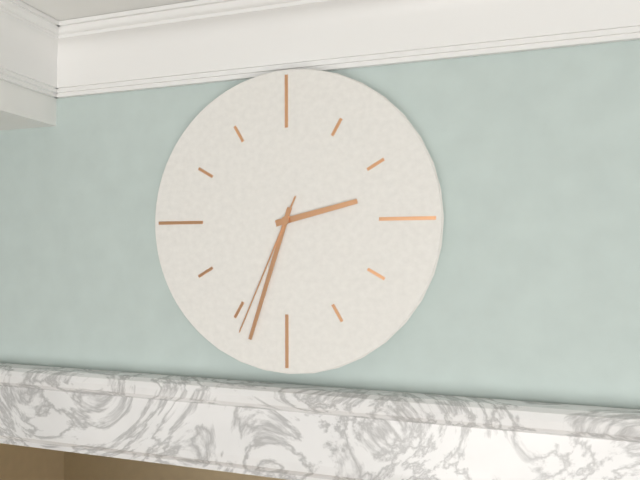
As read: 2h33m34s
